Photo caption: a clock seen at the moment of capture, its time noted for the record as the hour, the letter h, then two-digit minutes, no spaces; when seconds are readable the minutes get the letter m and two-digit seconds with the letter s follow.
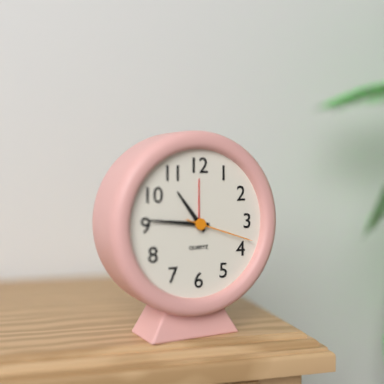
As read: 10h46m18s
